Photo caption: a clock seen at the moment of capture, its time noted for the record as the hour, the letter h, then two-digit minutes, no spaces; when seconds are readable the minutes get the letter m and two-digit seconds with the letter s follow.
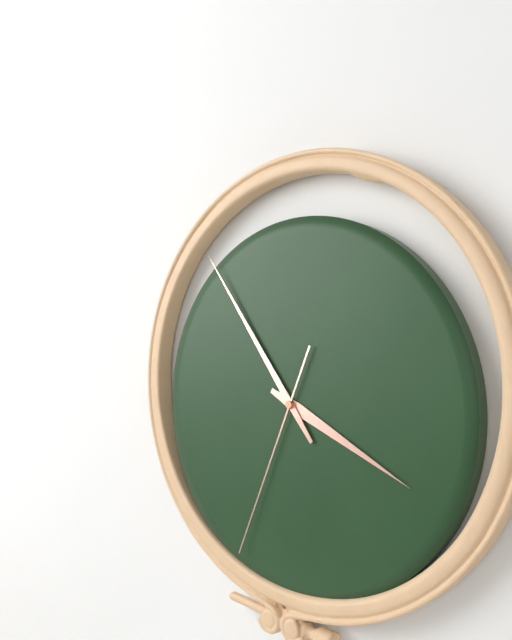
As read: 3h54m34s
